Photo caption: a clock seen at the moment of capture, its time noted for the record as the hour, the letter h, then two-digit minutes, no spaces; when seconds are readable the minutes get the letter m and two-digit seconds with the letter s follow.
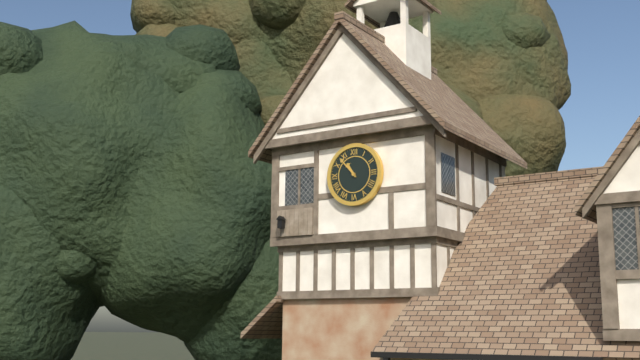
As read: 10h53
